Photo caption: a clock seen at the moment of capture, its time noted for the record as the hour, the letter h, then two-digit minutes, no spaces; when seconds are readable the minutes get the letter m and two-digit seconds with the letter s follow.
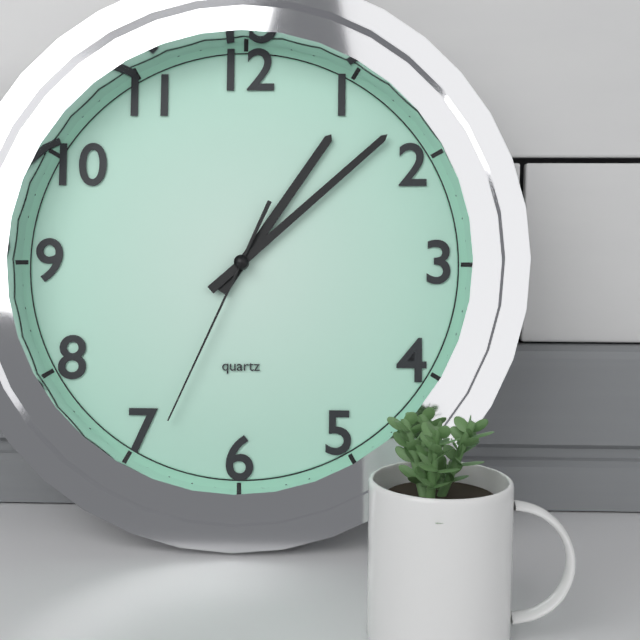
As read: 1h08m34s
